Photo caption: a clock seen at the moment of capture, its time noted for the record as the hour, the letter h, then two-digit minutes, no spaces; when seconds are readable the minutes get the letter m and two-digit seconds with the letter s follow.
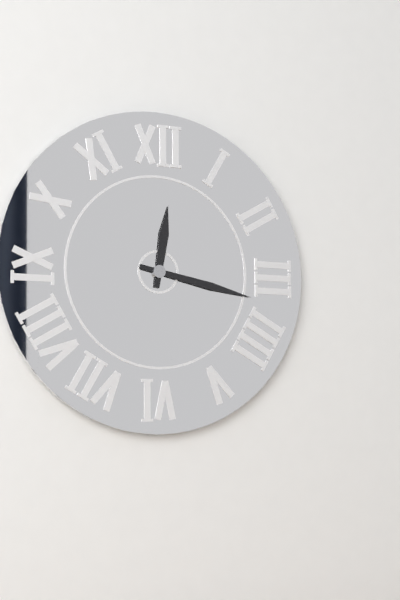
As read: 12h17
